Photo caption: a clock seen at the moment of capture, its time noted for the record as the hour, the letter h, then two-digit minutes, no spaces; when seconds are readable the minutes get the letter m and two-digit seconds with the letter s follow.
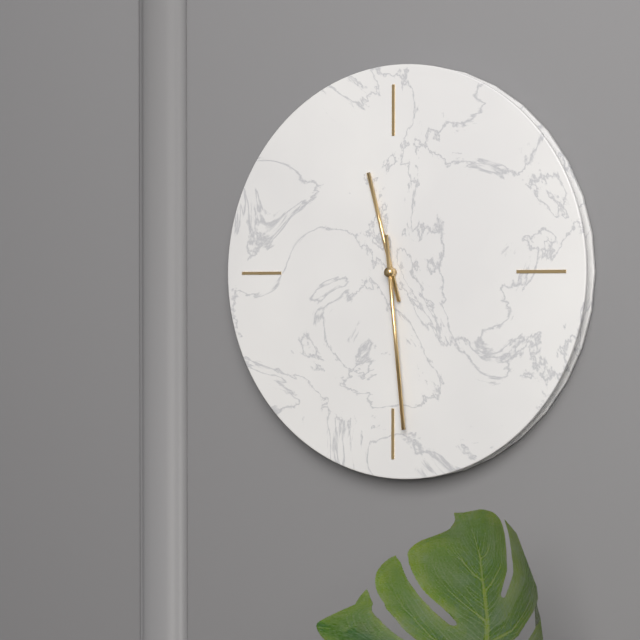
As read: 11h29
